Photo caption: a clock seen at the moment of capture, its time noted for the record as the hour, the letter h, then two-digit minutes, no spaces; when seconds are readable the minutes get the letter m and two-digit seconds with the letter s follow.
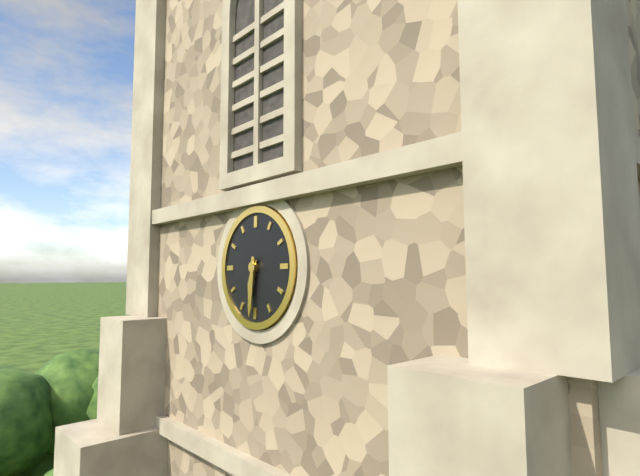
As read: 6h31
